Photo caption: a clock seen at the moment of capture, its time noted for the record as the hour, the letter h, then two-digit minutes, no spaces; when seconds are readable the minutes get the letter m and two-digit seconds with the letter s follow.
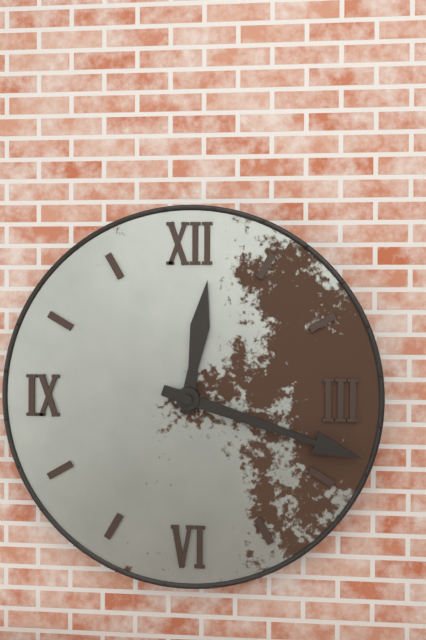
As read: 12h18
